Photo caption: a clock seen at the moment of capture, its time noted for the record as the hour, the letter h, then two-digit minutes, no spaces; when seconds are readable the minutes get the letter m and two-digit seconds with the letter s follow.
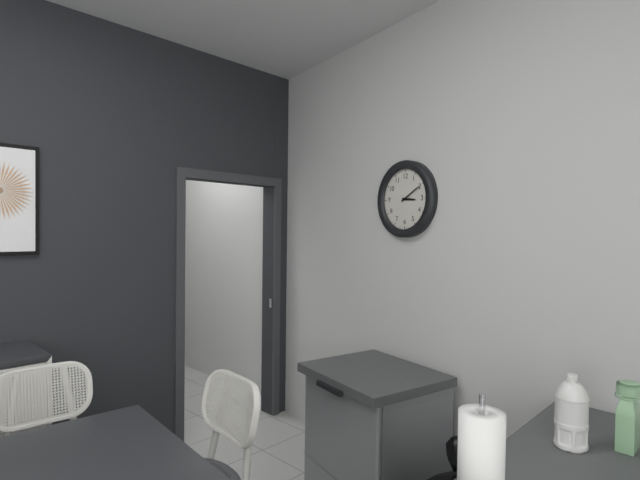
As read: 3h10
